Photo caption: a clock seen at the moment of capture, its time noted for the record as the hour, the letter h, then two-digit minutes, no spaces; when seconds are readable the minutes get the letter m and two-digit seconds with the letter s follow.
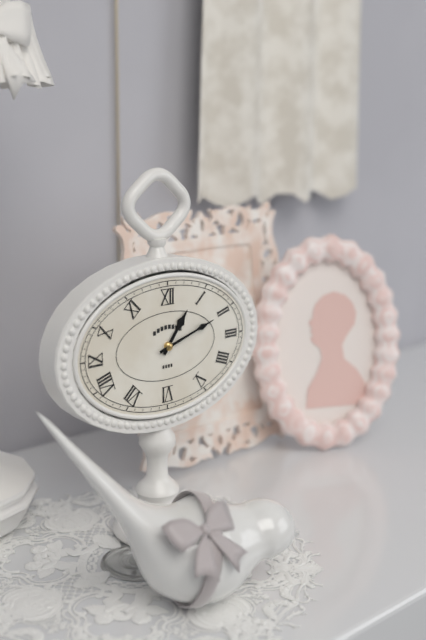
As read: 1h12
